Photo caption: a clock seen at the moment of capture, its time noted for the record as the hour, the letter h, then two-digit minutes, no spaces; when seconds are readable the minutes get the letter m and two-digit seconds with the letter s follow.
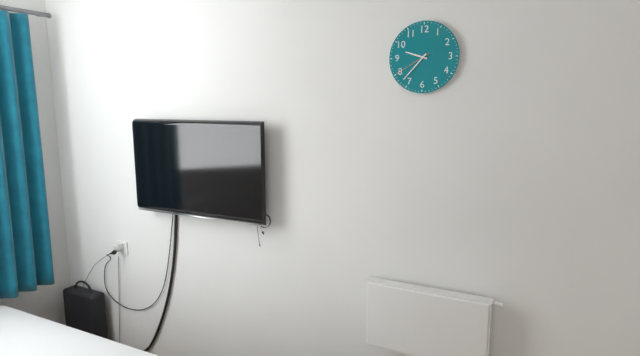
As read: 9h37
